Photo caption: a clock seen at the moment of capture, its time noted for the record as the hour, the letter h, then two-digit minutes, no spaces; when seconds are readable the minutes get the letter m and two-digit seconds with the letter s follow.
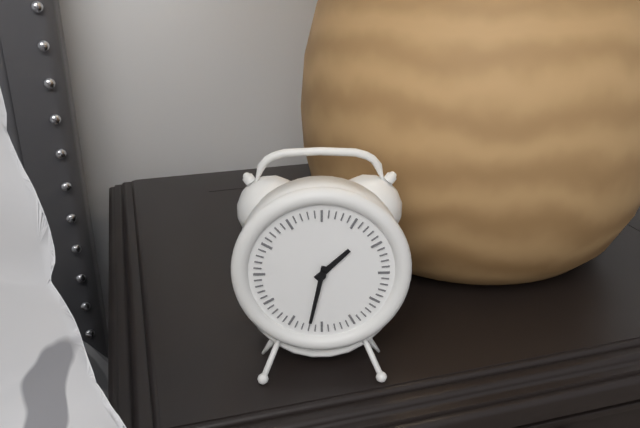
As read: 1h32
